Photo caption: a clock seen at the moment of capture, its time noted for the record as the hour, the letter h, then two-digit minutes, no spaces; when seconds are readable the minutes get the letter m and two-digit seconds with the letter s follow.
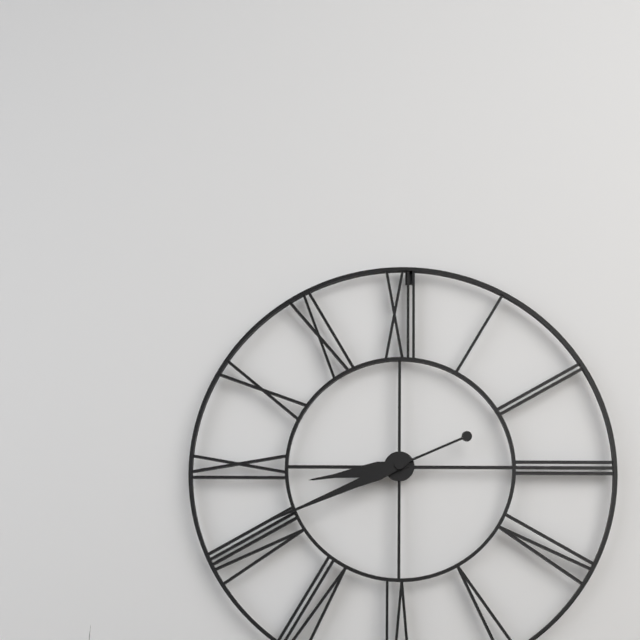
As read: 8h41
